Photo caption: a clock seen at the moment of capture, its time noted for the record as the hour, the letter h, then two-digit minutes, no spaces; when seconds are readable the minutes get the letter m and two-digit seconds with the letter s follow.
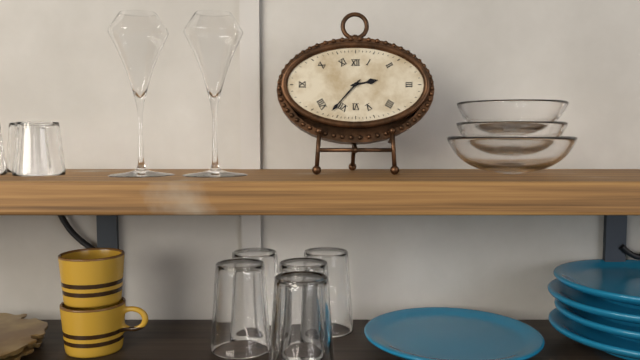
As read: 2h37
